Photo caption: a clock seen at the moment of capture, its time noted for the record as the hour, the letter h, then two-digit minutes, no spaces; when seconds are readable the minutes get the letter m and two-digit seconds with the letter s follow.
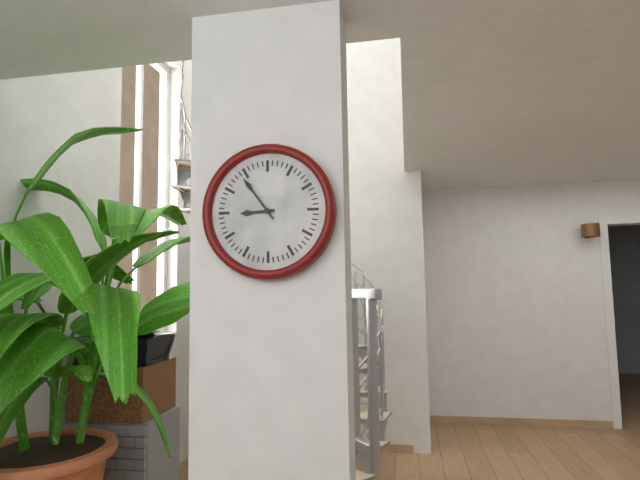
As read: 8h54
